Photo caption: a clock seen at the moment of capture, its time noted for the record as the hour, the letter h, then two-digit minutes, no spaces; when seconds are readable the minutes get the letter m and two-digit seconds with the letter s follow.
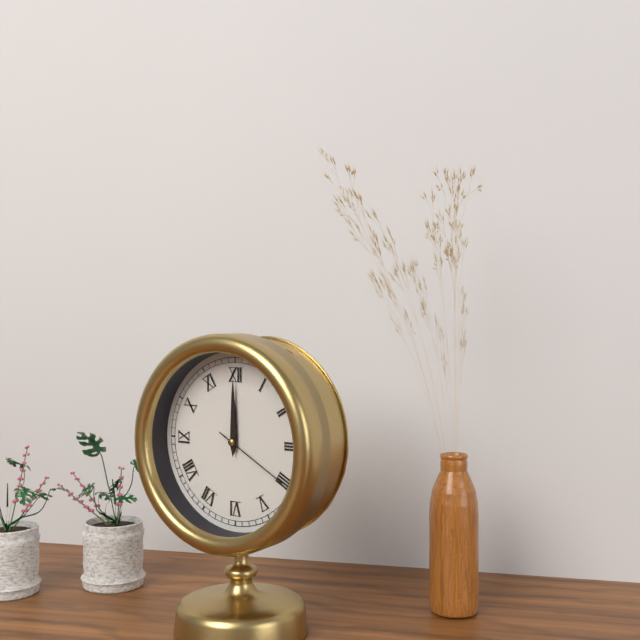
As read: 12h00m20s
